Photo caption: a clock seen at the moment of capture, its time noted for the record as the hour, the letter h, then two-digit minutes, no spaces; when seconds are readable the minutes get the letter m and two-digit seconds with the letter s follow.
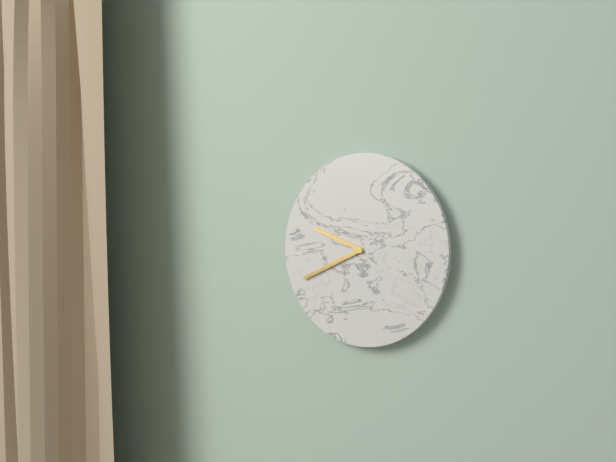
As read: 9h41
